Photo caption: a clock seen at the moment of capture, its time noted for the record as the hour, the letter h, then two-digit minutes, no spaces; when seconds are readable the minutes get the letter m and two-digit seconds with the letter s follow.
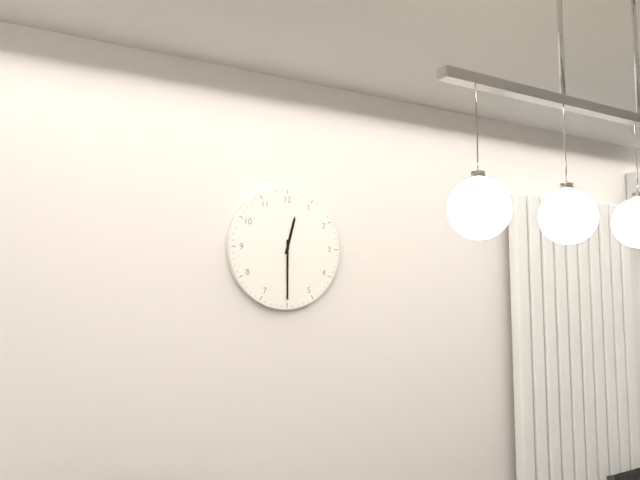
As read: 12h30
